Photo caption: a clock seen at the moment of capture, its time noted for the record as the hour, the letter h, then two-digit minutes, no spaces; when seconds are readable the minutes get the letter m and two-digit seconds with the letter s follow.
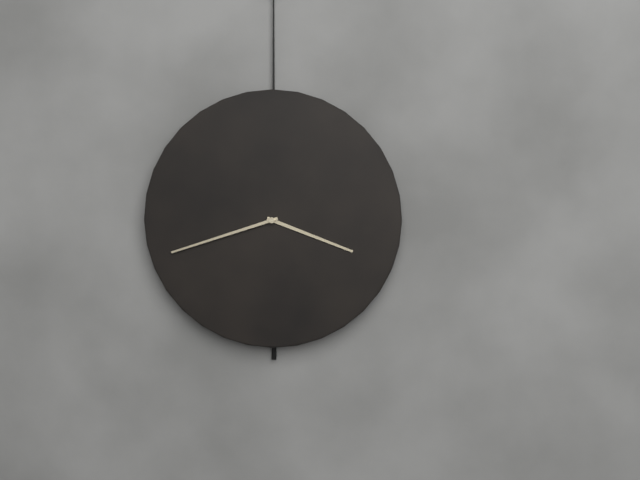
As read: 3h42
